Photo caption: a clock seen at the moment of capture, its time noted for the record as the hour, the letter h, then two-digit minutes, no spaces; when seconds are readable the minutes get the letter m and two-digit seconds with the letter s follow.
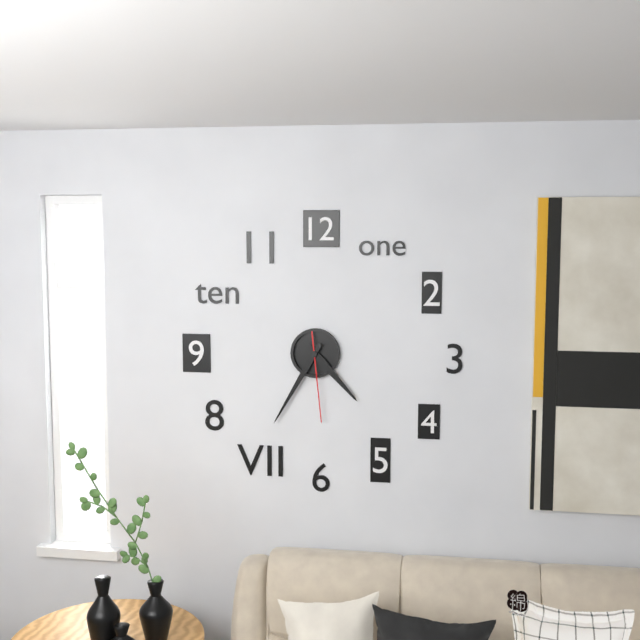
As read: 4h35m29s
